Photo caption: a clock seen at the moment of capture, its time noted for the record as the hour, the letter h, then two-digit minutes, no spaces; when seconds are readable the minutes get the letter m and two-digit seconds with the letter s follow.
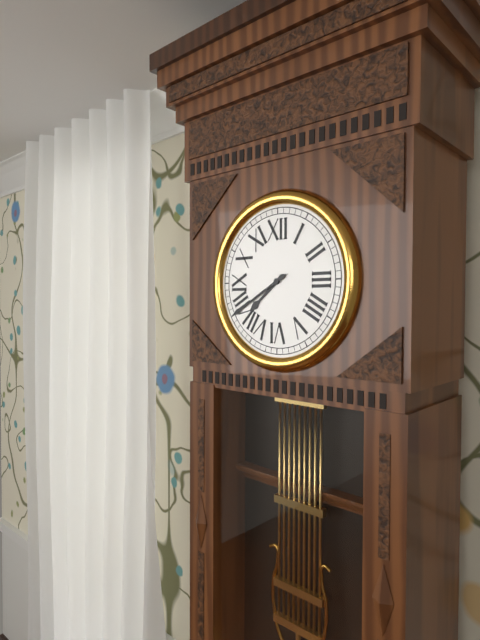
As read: 7h40
